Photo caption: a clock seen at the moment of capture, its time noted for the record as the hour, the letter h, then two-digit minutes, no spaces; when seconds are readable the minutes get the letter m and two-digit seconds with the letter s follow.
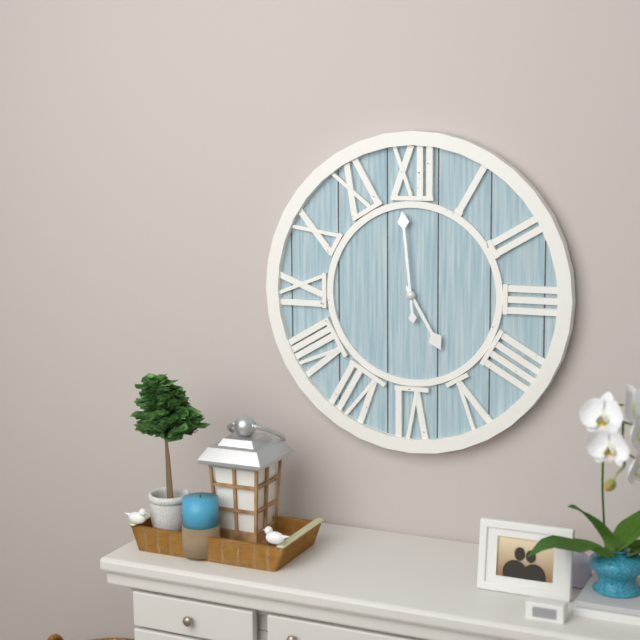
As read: 4h59
